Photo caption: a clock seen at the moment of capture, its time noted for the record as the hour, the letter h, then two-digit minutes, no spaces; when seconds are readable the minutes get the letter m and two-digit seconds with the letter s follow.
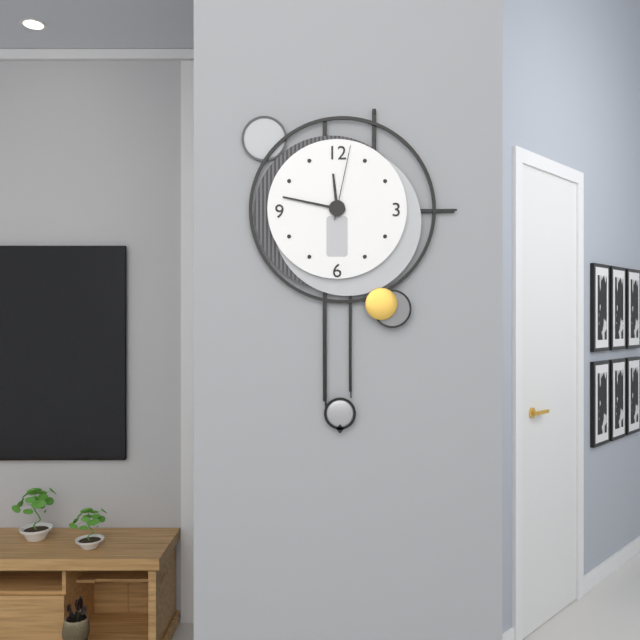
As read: 11h47m02s
